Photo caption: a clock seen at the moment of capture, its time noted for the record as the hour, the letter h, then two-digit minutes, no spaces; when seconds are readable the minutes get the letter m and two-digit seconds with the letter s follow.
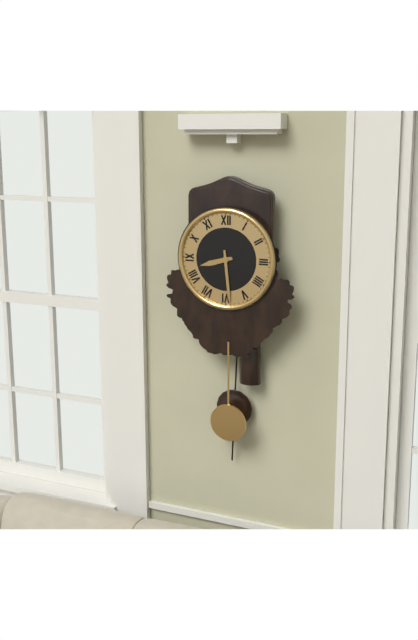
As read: 8h29
